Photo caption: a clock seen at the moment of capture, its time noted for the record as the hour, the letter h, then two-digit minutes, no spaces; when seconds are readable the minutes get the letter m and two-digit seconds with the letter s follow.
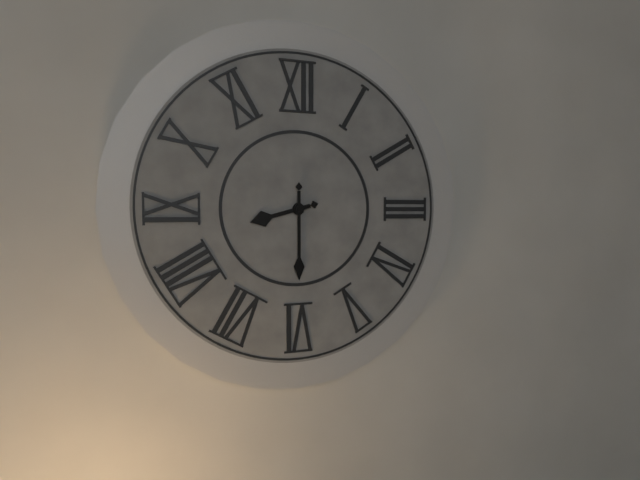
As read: 8h30
